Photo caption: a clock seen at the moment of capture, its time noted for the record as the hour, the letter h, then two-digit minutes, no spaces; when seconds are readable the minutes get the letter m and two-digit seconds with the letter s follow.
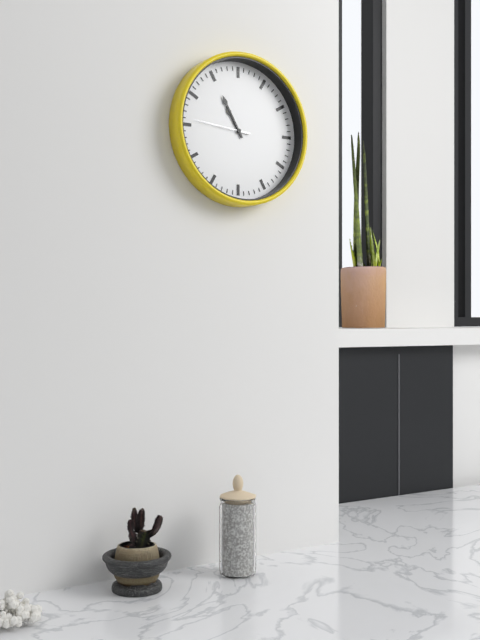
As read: 10h55m46s
